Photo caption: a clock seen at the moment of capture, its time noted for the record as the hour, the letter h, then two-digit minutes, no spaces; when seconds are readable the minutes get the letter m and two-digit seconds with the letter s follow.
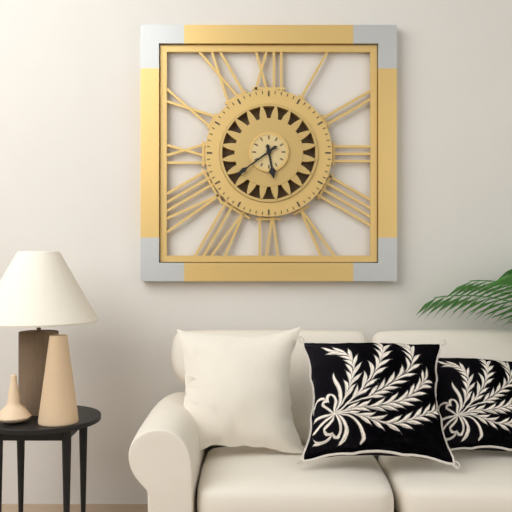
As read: 5h39
